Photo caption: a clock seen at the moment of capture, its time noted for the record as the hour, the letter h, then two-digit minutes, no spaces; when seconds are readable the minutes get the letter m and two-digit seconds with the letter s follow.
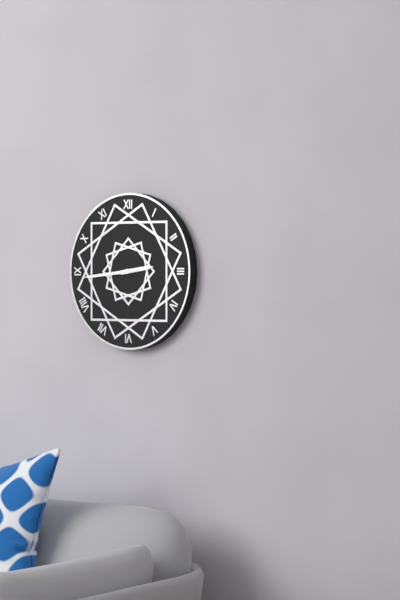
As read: 2h44
